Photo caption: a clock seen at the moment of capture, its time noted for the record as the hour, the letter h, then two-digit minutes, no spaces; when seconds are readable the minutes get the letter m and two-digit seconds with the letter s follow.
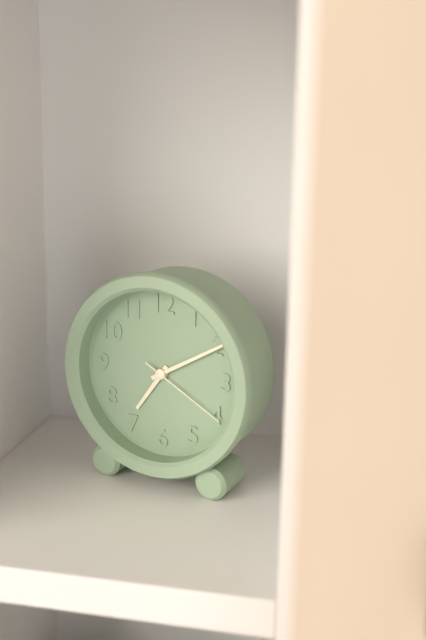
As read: 7h10m20s
